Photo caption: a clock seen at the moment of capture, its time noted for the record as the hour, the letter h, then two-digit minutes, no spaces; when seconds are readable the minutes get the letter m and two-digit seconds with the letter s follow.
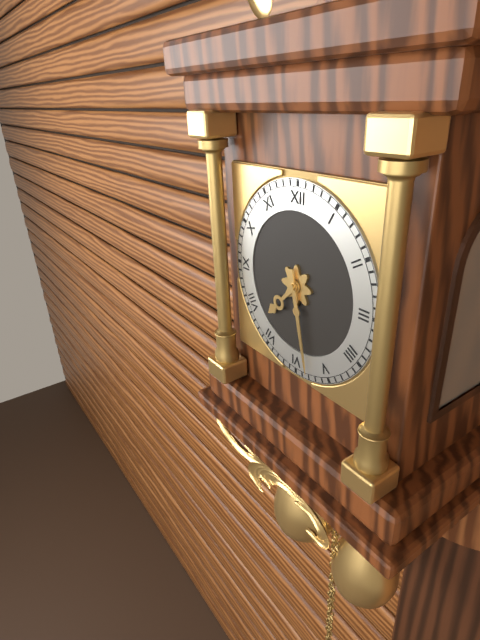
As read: 7h28
